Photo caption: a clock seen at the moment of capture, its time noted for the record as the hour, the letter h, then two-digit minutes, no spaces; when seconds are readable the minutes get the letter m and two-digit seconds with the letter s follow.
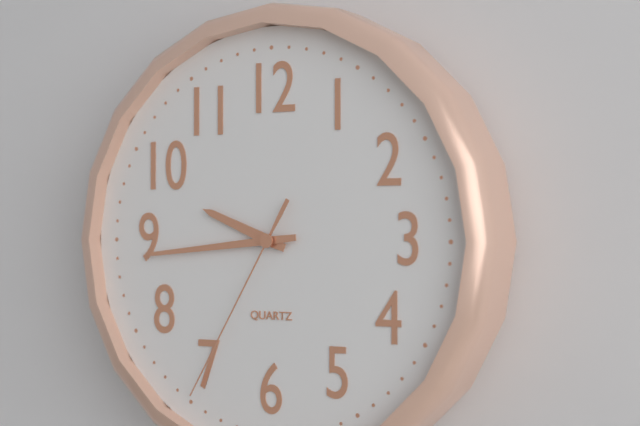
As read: 9h44m35s
